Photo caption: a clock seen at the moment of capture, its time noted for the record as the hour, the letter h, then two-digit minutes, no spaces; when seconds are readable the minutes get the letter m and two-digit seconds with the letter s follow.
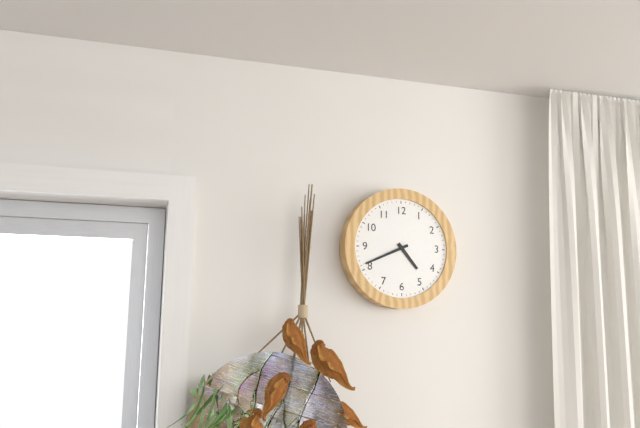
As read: 4h41
